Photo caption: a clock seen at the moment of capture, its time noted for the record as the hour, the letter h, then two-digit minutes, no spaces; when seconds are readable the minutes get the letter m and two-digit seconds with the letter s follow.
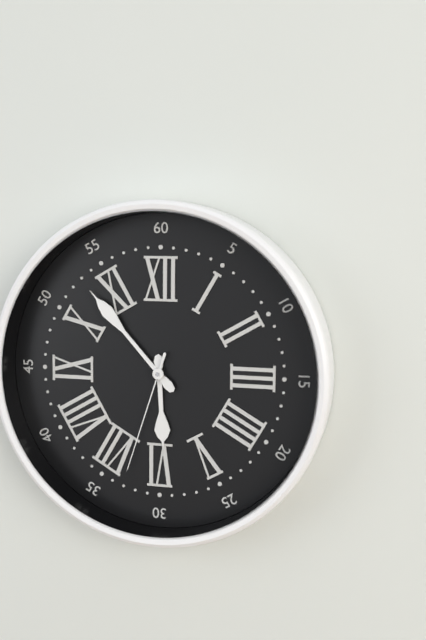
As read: 5h53m33s
